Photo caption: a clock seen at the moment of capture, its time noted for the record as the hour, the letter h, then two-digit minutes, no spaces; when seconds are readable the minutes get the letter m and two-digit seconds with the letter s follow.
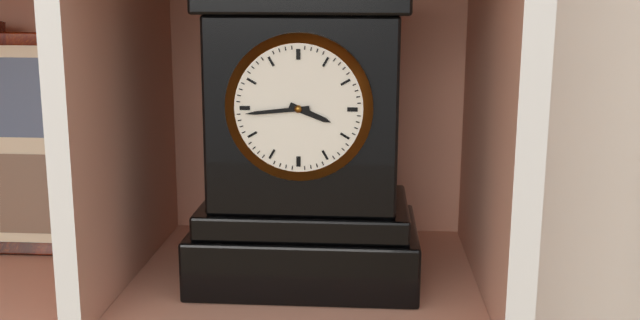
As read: 3h44
